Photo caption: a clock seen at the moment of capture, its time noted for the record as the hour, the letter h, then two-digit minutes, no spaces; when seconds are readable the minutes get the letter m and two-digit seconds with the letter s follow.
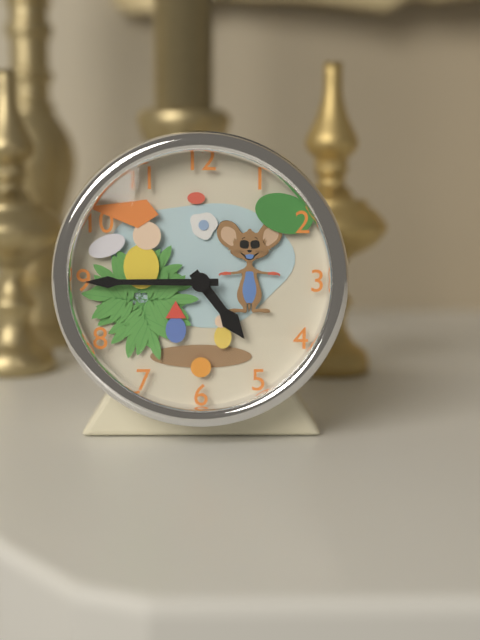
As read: 4h45
